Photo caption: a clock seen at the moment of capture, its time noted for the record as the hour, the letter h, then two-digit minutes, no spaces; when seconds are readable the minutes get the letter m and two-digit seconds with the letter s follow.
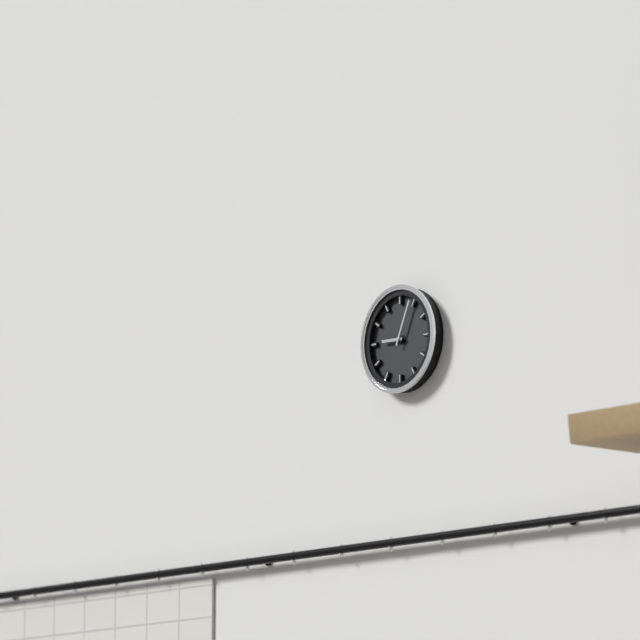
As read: 9h04
